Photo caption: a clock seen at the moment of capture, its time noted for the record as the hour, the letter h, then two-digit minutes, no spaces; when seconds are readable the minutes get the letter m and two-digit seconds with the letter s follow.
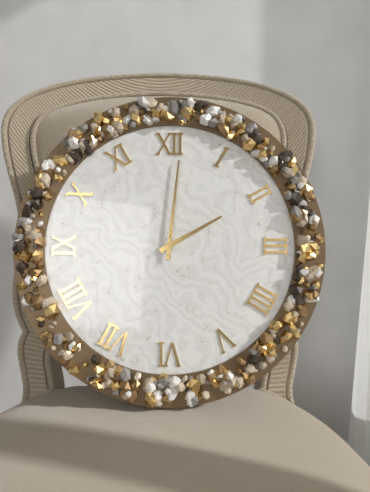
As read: 2h01
